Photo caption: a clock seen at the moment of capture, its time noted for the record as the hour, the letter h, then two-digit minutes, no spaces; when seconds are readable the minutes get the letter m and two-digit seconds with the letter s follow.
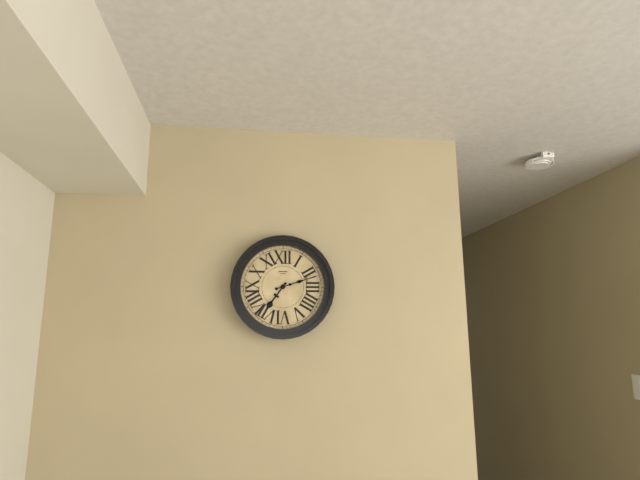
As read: 7h12
